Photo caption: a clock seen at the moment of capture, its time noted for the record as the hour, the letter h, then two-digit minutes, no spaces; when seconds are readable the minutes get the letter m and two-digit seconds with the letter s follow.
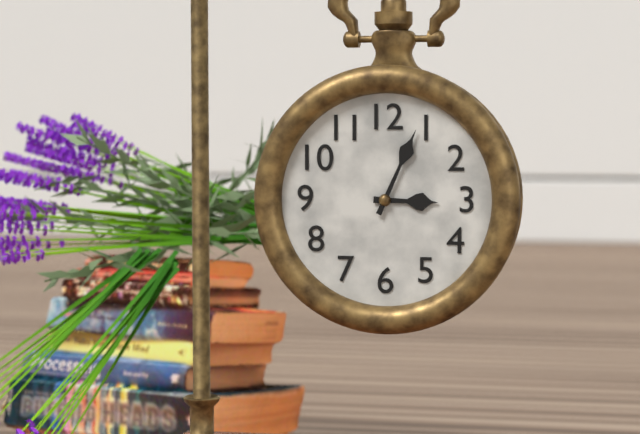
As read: 3h04
